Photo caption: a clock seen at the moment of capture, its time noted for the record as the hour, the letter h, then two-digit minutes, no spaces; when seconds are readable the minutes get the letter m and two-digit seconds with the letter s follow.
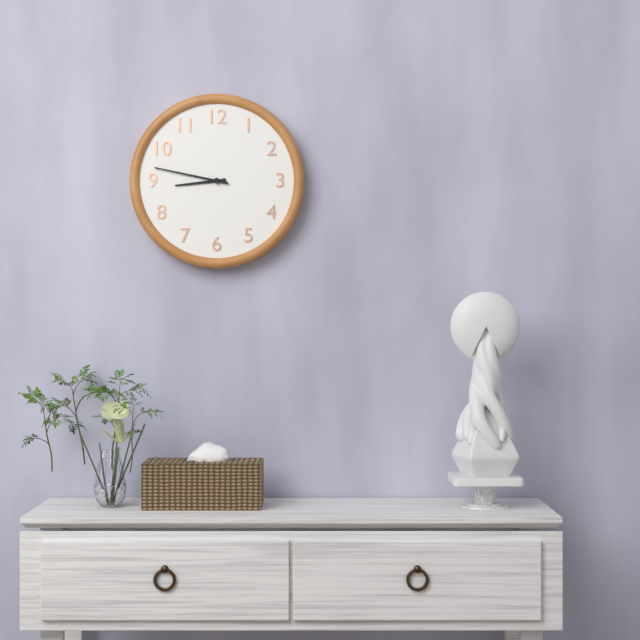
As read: 8h47
